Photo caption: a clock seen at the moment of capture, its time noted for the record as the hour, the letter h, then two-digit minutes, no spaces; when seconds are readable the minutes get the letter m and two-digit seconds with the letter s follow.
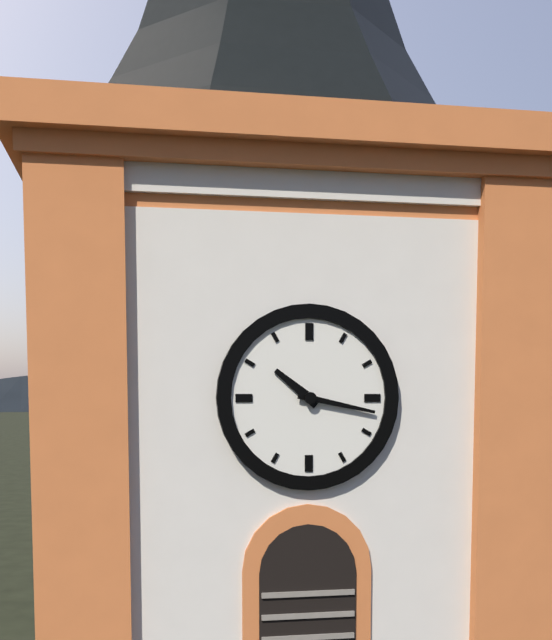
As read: 10h17
